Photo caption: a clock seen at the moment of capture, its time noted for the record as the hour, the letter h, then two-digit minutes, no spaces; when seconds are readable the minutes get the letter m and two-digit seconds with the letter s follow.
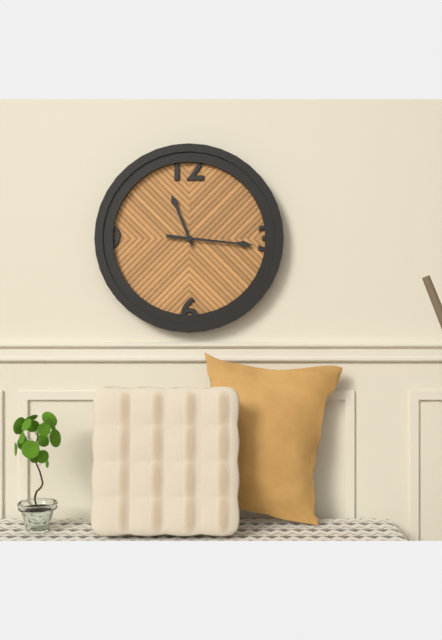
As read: 11h16
